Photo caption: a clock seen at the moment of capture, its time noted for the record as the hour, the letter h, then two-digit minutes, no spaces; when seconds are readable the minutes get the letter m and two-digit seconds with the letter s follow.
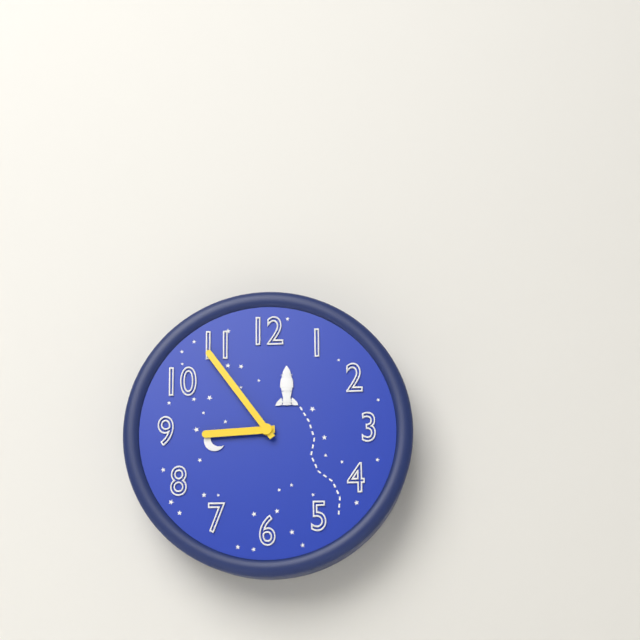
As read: 8h54
